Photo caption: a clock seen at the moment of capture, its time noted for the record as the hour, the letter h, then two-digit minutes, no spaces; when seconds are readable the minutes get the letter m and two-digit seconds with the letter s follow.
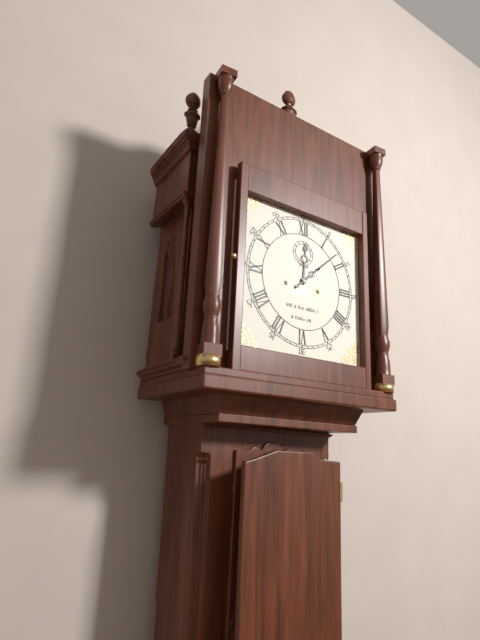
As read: 12h08
